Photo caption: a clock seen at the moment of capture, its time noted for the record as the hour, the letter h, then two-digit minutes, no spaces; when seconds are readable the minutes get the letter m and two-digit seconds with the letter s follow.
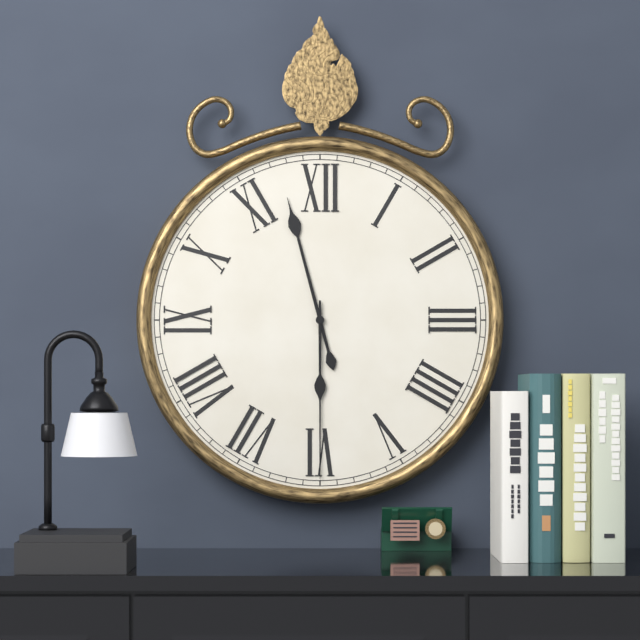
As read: 11h30
